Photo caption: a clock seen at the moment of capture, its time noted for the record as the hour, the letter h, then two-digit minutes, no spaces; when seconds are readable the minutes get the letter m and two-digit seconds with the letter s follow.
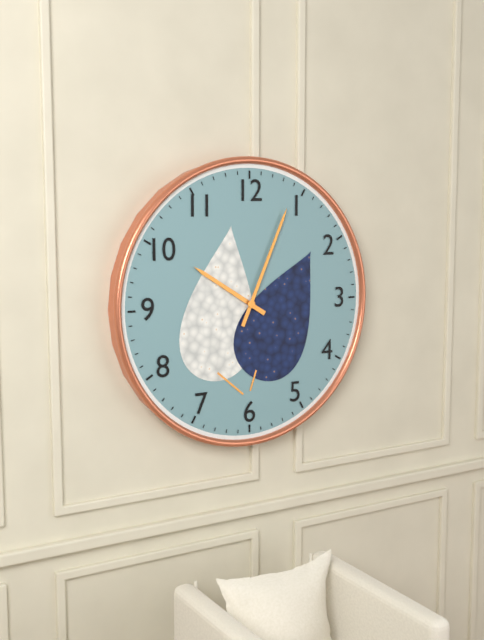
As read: 10h04
